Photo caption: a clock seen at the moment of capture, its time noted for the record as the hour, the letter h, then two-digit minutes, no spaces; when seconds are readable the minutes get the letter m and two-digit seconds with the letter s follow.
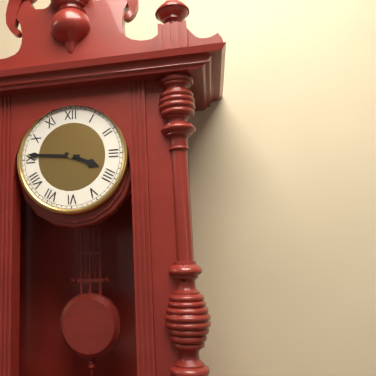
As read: 3h46
